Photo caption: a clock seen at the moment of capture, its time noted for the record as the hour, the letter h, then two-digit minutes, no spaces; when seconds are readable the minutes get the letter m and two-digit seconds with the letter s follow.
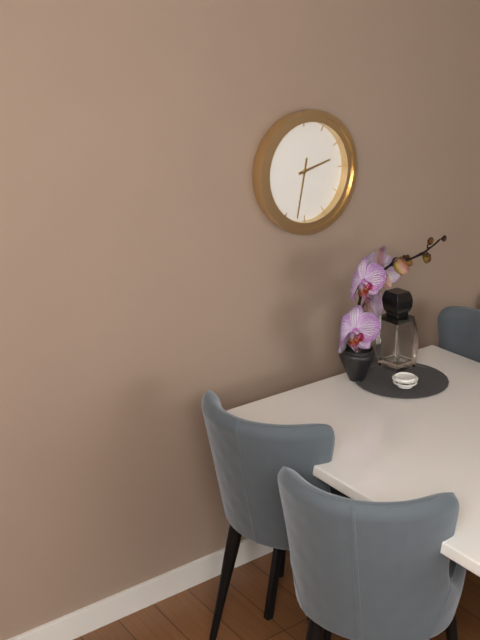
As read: 2h32
